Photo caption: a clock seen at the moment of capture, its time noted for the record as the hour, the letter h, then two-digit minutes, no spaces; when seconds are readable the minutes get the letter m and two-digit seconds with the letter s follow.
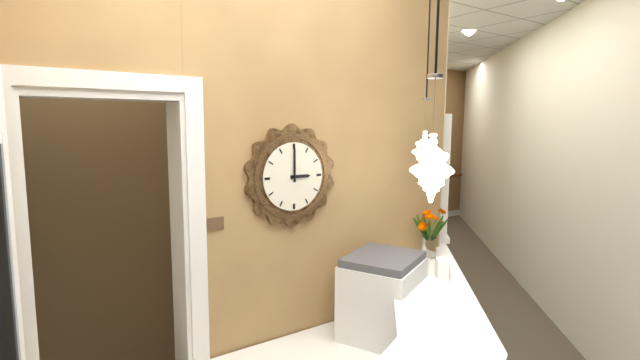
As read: 3h00
